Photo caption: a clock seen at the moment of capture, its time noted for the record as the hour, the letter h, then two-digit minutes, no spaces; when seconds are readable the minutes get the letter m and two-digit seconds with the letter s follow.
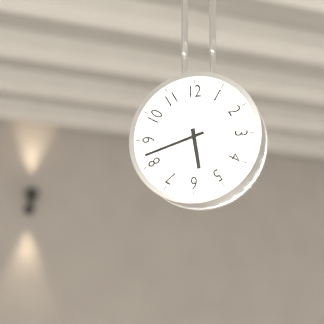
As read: 5h42
